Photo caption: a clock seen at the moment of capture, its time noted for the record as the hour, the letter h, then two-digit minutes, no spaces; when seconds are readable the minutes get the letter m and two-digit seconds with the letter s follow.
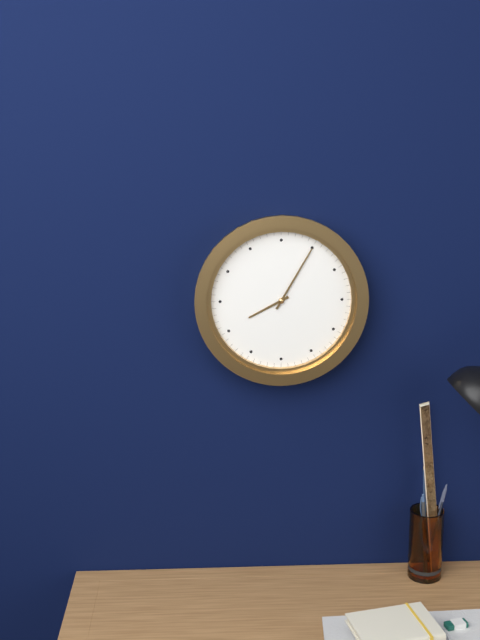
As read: 8h05
